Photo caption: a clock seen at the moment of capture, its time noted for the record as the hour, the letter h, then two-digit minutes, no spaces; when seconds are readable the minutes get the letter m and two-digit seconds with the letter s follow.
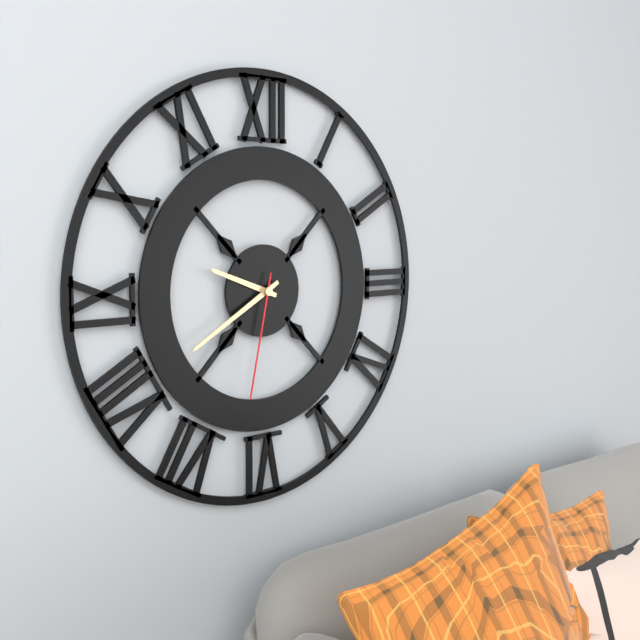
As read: 9h40m32s
